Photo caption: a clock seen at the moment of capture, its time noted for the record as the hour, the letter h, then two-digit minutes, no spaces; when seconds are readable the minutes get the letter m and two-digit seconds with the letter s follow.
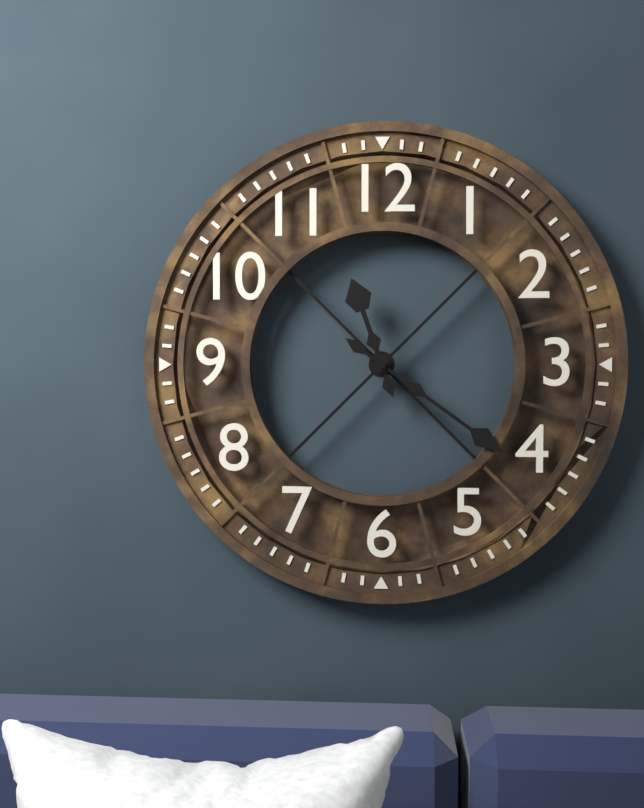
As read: 11h21
